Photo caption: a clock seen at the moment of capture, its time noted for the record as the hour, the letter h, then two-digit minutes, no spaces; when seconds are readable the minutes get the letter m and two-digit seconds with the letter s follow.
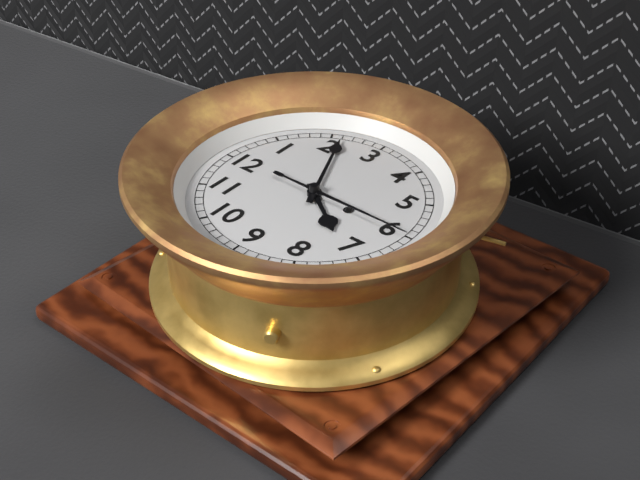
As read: 7h11m30s
